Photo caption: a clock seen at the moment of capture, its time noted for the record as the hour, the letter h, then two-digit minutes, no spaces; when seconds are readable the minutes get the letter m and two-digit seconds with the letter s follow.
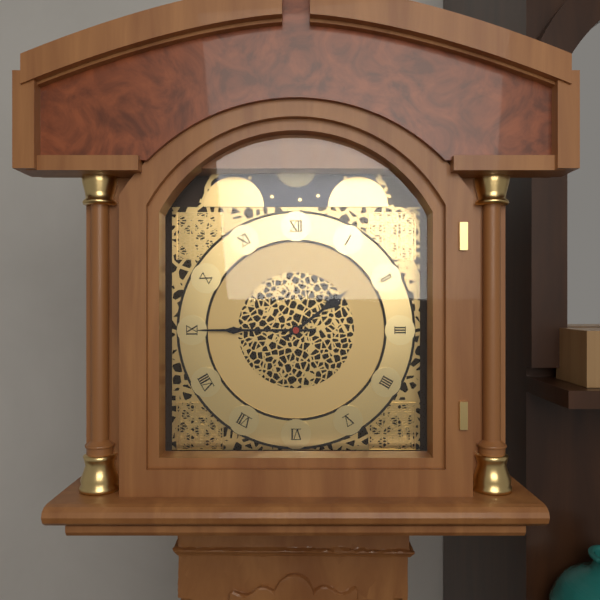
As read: 1h45
